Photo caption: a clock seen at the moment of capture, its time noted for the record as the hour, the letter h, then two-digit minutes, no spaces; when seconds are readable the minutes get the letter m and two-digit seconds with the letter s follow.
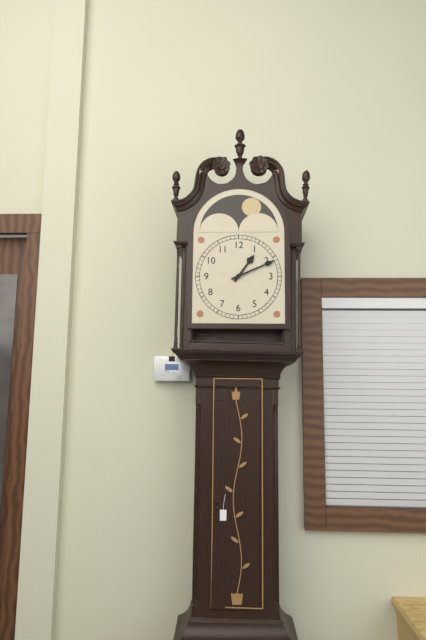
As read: 1h11
